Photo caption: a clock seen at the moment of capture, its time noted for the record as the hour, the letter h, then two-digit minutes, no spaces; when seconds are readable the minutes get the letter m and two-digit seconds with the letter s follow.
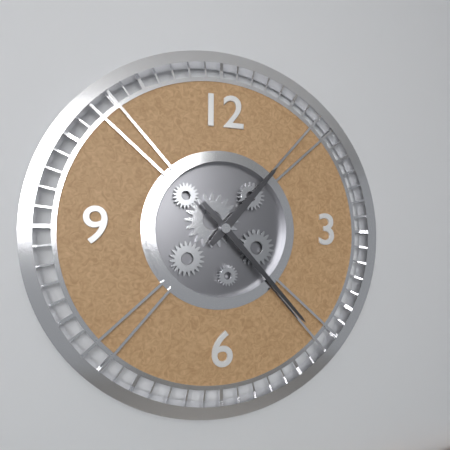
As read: 1h23
